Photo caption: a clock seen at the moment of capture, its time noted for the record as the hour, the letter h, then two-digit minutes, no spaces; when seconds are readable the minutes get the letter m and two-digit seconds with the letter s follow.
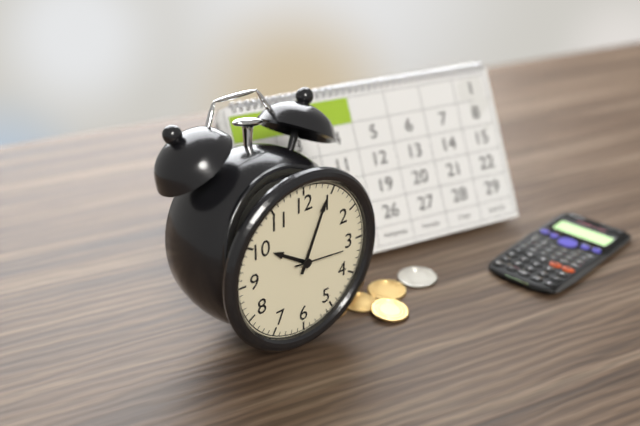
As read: 10h04
